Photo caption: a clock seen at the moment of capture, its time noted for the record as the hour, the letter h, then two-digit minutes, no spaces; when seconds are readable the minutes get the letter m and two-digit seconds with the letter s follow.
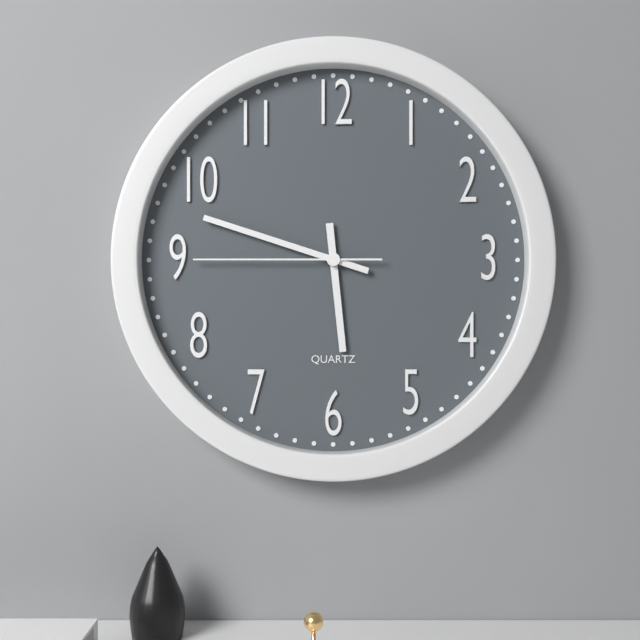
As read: 5h48m45s
